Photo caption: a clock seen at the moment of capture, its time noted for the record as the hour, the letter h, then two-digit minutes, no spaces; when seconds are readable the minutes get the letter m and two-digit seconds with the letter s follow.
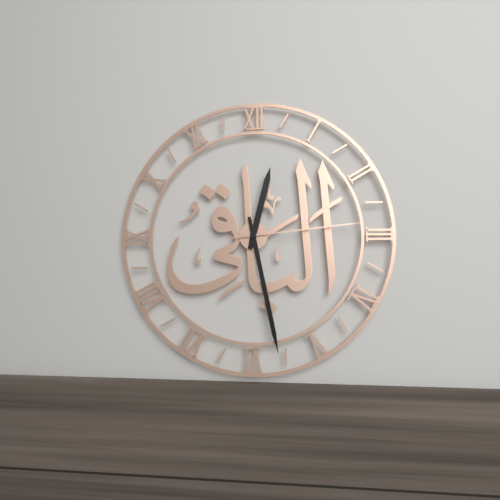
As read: 12h28m14s
